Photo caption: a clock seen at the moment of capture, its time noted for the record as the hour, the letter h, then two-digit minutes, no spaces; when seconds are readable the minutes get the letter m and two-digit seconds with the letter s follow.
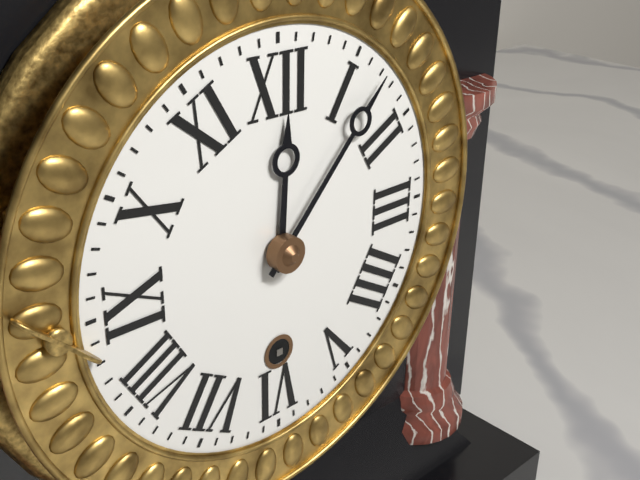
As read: 12h07
